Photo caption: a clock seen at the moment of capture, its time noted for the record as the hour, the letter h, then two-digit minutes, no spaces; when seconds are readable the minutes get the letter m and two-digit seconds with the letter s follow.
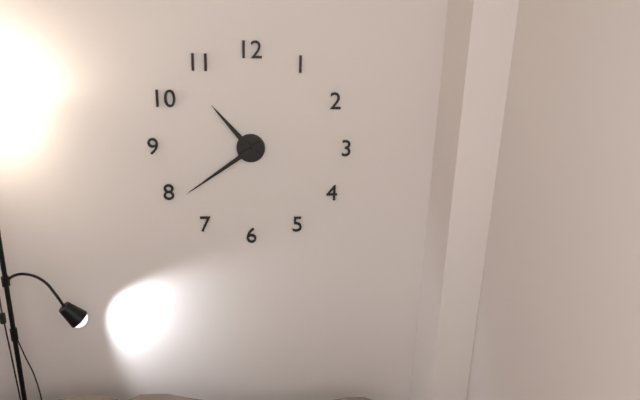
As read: 10h39
